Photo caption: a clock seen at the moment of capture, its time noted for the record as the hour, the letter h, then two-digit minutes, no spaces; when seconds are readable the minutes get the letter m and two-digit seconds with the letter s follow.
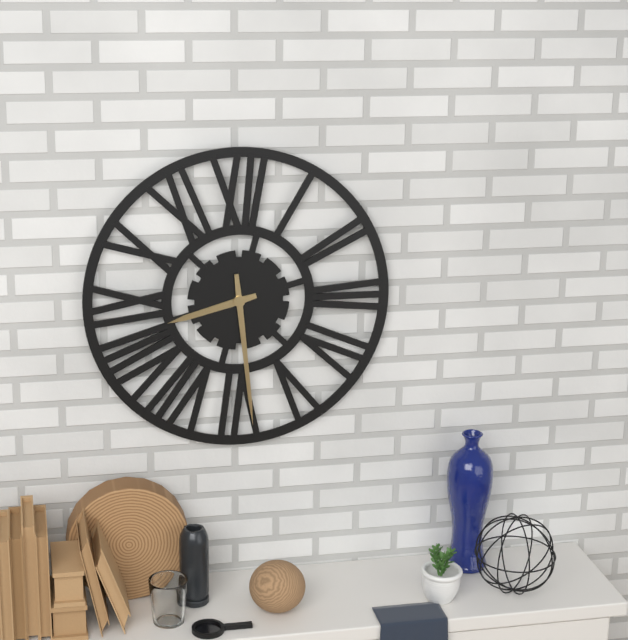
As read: 8h29
